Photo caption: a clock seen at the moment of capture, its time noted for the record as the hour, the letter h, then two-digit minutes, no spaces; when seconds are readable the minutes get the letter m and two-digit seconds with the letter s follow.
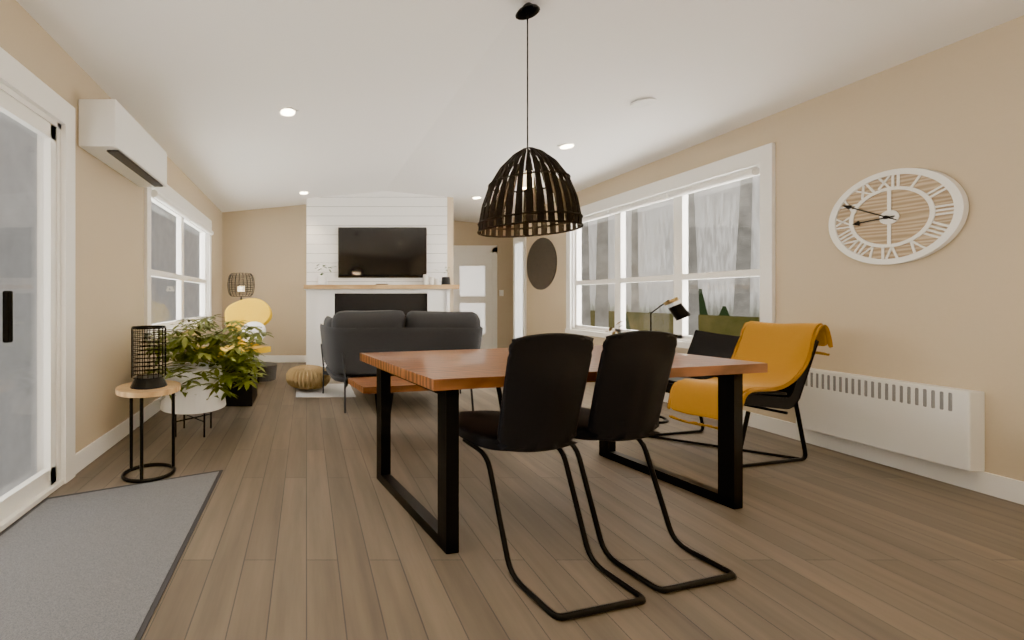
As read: 8h50
